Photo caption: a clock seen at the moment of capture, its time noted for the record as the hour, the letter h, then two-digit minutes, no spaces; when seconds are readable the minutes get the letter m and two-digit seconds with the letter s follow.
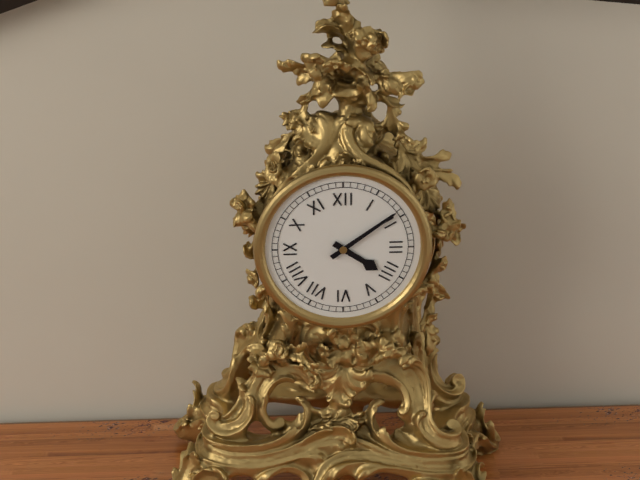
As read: 4h09
